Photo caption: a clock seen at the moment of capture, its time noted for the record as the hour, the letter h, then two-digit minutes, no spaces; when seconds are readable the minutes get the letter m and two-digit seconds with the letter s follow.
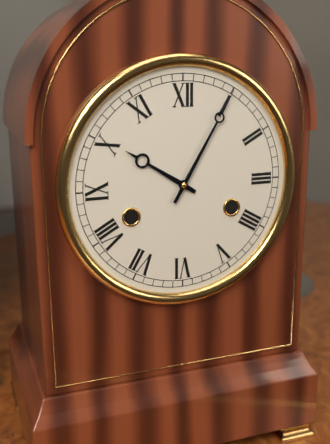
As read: 10h05
